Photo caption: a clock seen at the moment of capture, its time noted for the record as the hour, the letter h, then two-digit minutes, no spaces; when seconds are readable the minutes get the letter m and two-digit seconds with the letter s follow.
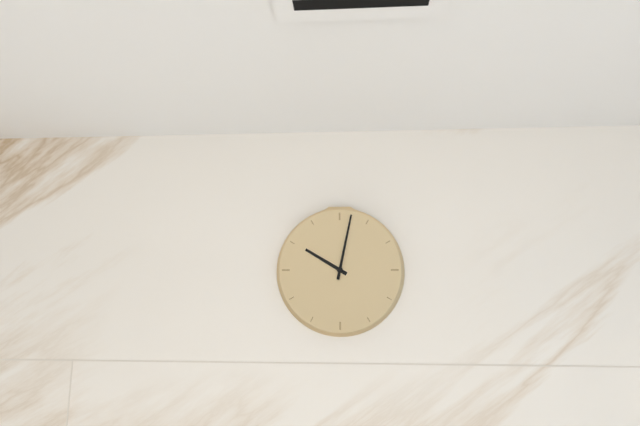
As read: 10h02
